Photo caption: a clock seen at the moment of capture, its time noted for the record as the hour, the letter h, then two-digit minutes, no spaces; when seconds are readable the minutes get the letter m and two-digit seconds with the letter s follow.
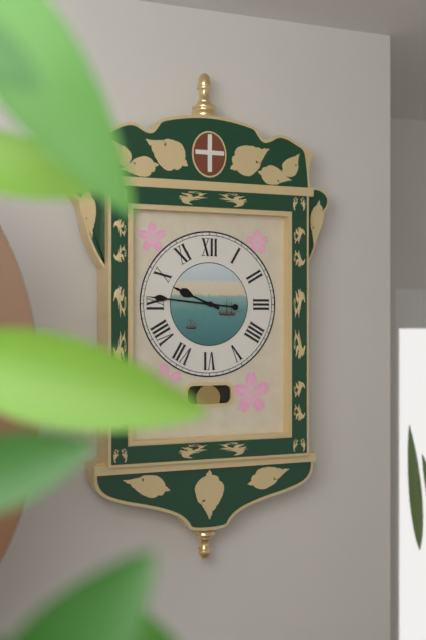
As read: 9h46
